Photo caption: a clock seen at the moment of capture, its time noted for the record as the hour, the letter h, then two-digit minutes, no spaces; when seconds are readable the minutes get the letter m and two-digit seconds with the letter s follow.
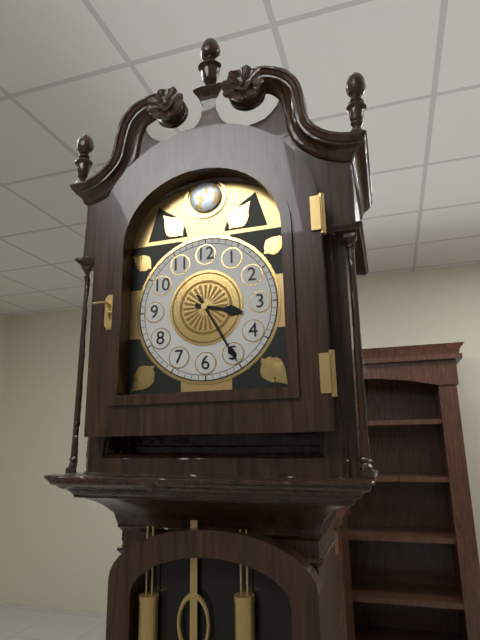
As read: 3h25
